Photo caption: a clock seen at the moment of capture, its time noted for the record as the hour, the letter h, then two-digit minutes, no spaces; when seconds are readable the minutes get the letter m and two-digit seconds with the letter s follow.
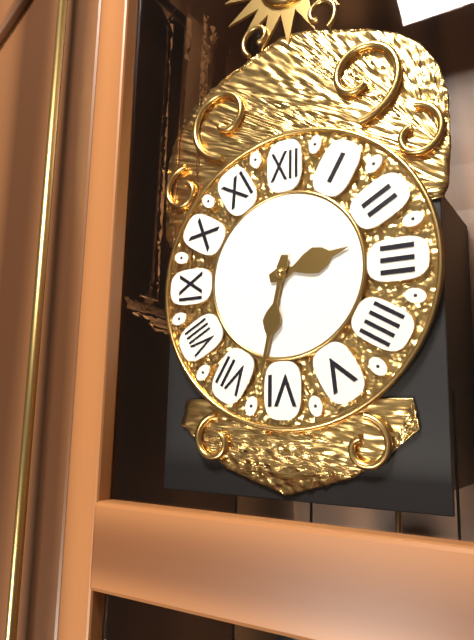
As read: 2h32
